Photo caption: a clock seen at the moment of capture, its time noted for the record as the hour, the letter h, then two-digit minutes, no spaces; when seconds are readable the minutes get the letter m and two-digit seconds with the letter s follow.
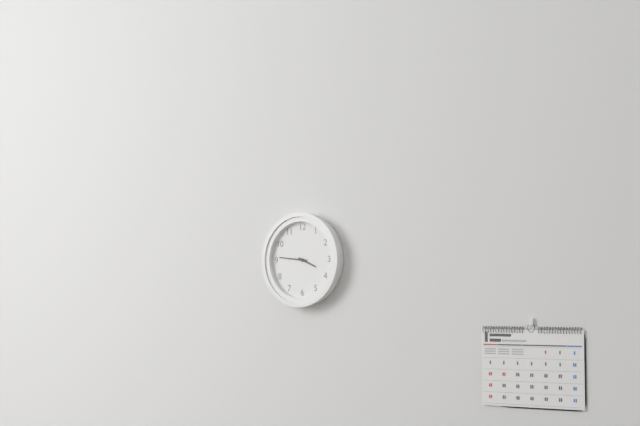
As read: 3h46
